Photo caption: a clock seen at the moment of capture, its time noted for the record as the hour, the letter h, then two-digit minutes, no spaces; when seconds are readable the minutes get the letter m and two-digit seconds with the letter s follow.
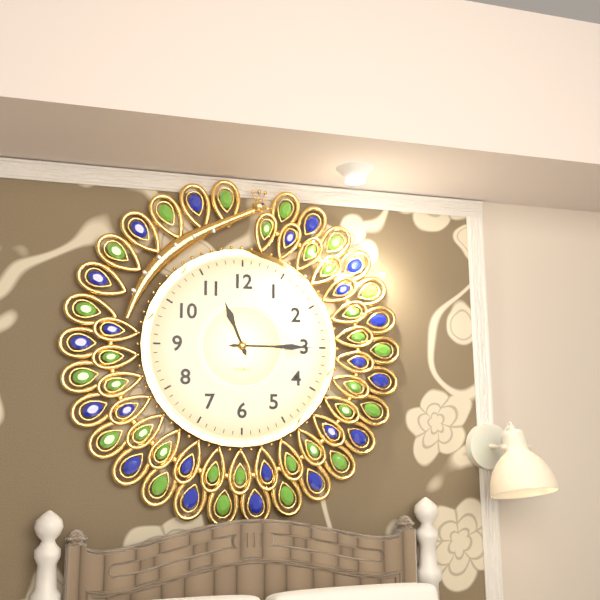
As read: 11h15
